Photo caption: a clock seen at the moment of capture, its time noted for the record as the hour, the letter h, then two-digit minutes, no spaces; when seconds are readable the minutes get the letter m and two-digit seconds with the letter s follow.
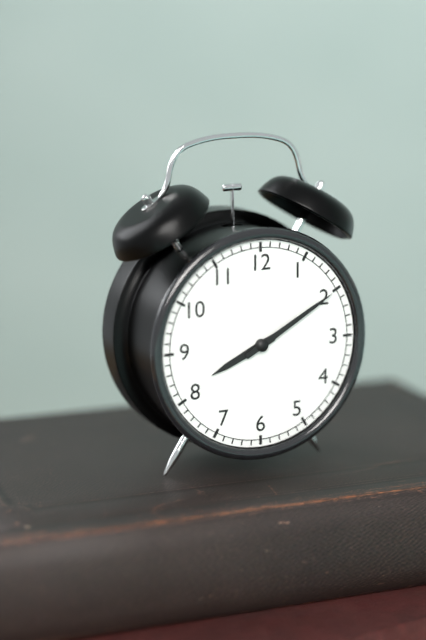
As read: 8h10
